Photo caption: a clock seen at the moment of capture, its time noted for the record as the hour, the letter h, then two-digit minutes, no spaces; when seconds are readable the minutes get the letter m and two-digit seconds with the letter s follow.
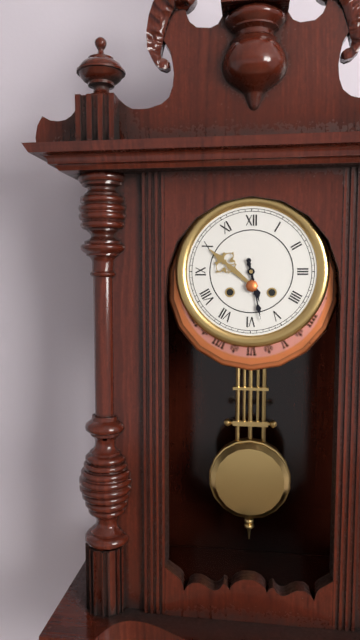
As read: 5h28
